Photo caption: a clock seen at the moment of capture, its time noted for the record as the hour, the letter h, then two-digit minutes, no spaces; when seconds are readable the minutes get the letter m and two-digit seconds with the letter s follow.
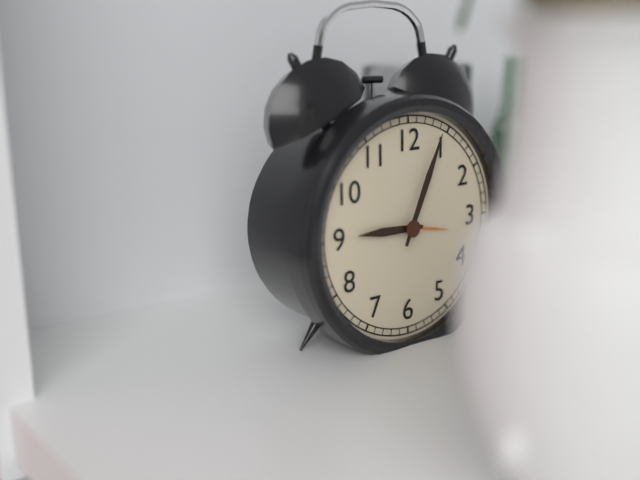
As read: 9h04
